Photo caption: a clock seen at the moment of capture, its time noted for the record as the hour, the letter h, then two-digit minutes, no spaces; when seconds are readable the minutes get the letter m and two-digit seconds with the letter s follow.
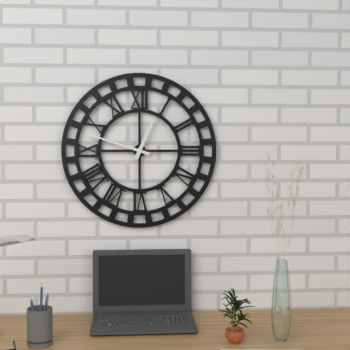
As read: 12h48
